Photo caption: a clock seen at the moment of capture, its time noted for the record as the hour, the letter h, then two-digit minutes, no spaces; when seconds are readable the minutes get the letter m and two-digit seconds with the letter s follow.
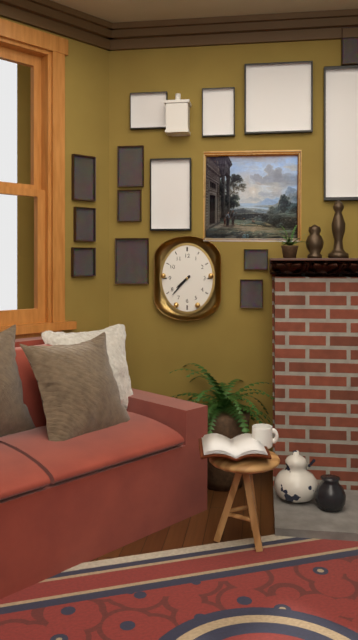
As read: 7h37
